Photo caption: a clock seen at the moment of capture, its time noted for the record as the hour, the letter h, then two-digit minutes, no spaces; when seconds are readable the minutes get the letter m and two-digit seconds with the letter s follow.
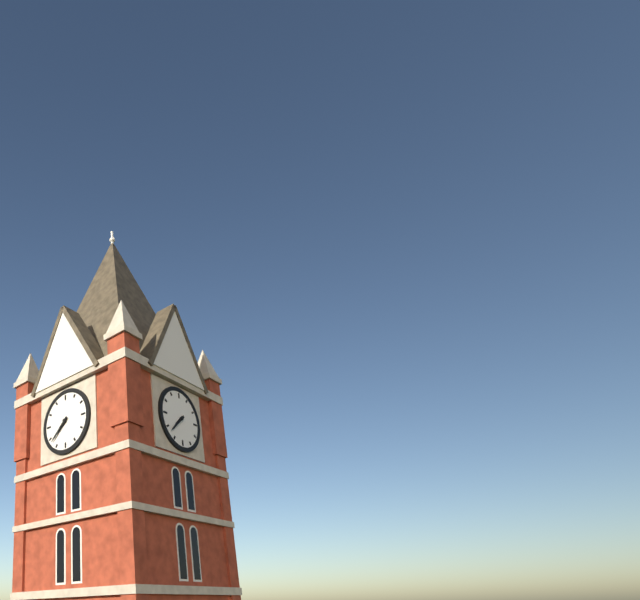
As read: 7h38
